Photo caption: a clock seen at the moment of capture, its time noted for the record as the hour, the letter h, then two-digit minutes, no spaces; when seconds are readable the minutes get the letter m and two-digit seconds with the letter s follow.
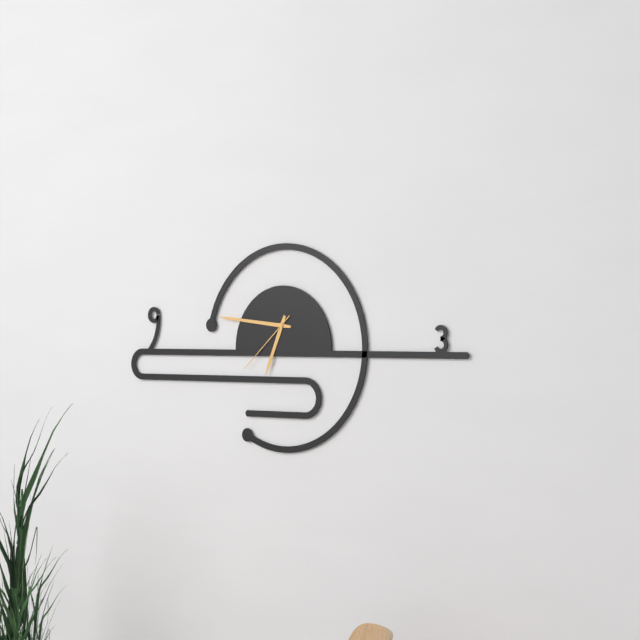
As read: 6h46m38s
